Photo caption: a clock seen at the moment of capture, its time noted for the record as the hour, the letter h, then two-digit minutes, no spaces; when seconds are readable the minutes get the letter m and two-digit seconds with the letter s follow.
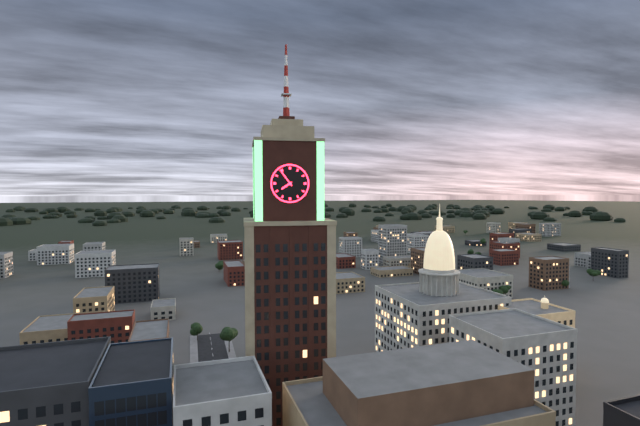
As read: 7h54
